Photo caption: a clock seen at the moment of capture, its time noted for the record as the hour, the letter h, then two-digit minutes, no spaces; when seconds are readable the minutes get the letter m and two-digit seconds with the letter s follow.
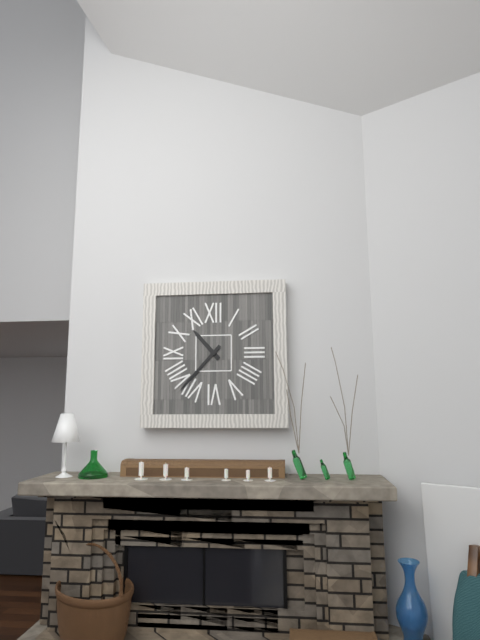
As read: 10h37
